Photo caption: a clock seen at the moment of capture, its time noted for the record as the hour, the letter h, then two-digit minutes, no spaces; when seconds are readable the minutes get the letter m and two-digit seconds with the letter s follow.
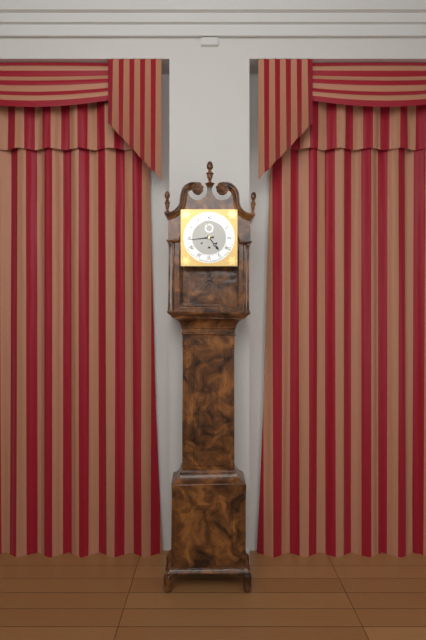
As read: 4h44
